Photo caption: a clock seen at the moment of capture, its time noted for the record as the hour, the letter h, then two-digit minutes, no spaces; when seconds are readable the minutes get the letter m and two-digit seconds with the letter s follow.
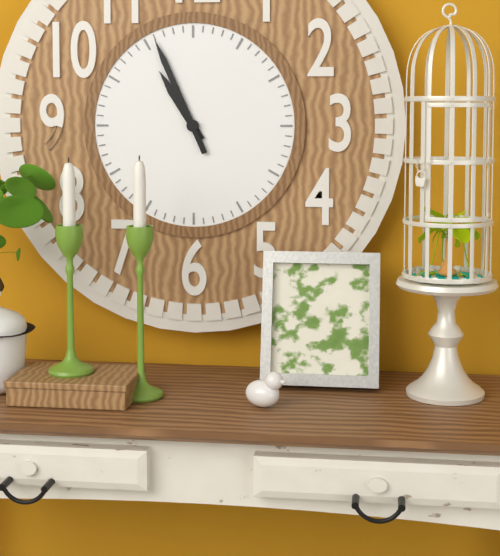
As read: 10h56
